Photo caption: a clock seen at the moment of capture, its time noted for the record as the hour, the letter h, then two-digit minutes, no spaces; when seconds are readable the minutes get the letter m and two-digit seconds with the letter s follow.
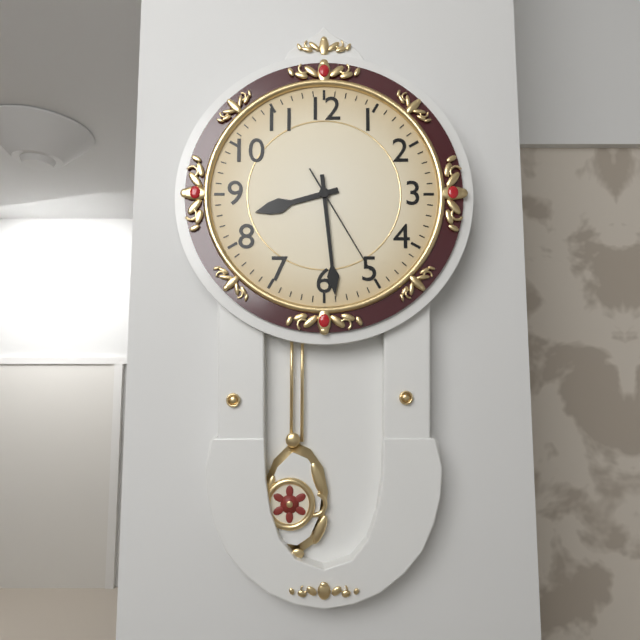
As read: 8h29m25s
